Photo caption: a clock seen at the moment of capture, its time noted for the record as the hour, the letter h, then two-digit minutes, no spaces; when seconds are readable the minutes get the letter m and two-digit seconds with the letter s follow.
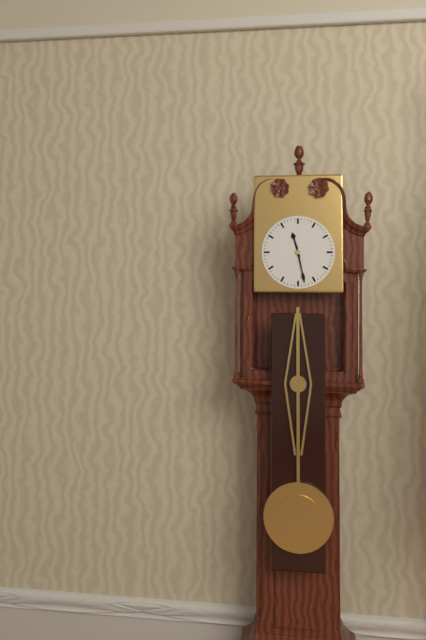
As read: 11h28
